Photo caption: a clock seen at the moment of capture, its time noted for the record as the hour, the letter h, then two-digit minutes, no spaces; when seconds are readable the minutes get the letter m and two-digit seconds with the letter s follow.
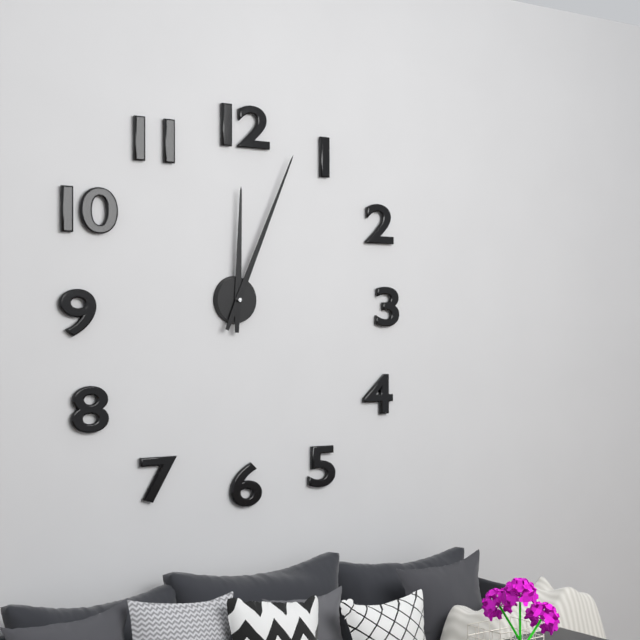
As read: 12h04
